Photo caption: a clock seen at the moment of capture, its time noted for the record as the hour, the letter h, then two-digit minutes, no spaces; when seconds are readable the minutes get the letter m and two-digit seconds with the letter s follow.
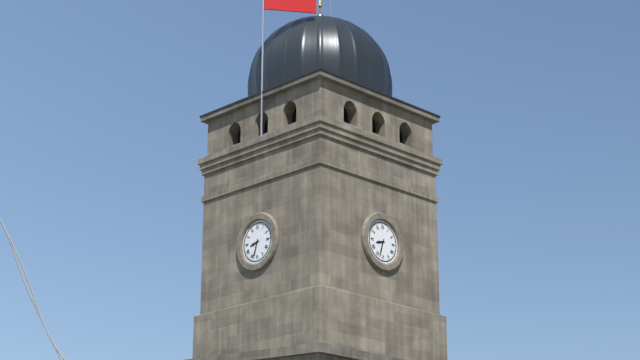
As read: 8h33
